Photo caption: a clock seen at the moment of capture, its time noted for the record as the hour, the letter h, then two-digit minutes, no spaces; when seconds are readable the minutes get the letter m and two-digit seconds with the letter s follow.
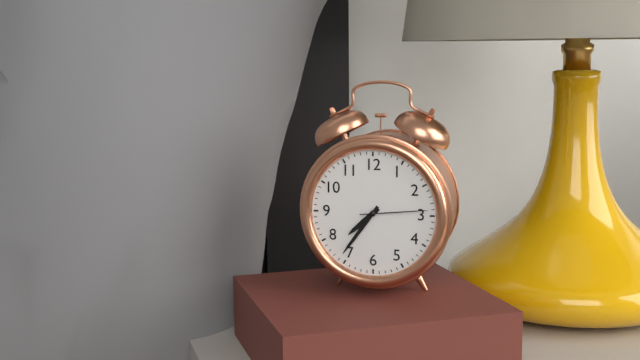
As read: 7h36m14s
